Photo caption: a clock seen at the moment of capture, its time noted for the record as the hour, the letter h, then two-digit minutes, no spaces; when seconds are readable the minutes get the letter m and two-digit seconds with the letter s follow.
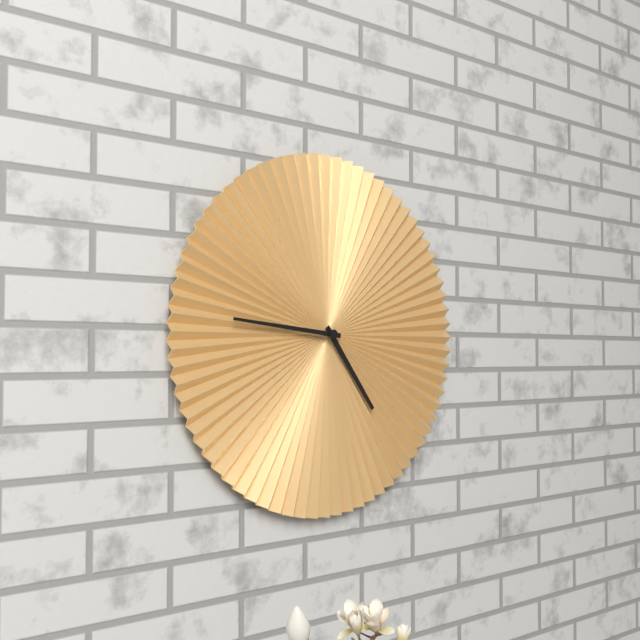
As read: 4h46
